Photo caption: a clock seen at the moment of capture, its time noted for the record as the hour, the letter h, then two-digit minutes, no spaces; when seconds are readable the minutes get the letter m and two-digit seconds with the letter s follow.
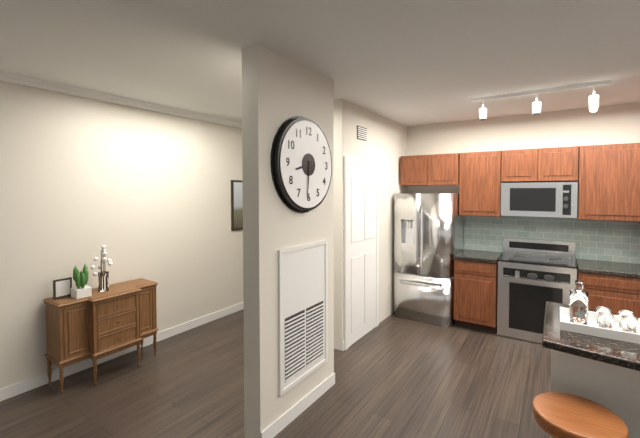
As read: 8h31
